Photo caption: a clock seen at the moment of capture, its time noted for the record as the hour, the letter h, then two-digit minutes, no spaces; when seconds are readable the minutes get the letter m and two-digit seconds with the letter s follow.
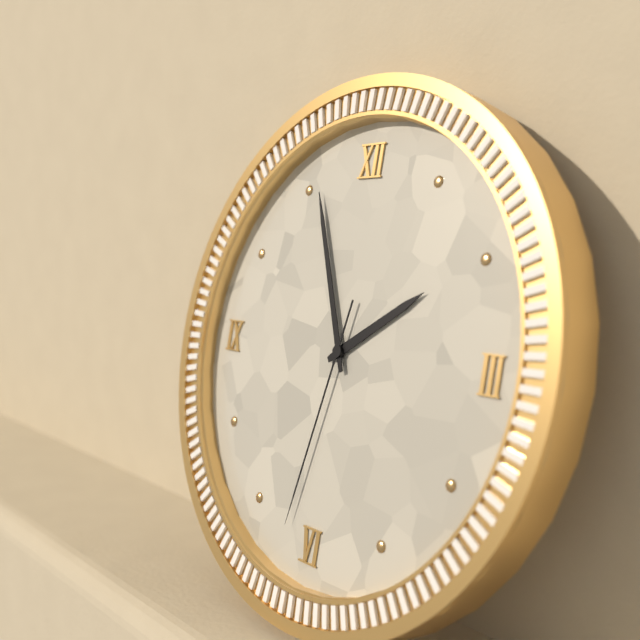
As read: 1h56m32s
